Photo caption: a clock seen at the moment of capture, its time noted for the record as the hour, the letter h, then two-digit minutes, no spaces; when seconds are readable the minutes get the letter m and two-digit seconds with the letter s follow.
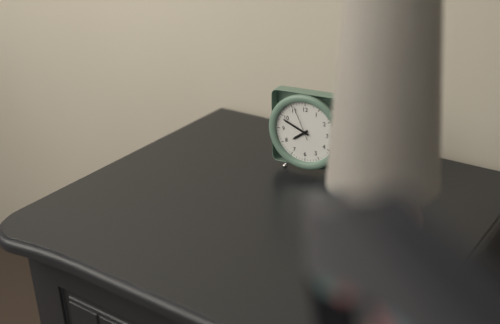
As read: 7h49
